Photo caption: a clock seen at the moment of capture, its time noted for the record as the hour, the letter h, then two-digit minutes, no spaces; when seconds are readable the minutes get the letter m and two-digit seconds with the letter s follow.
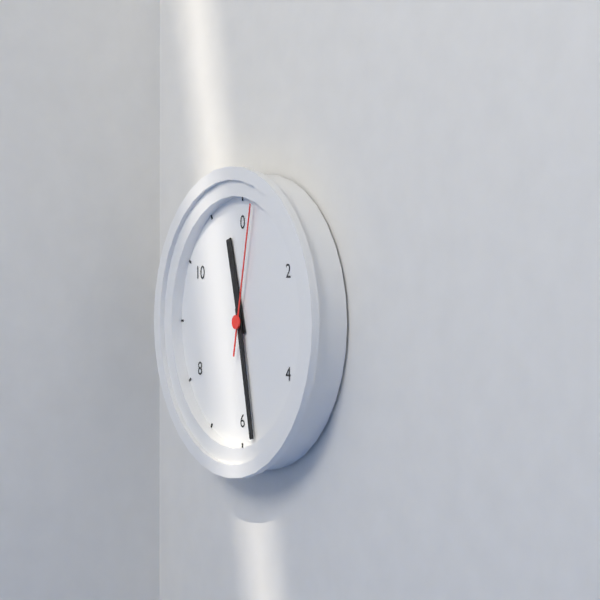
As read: 11h28m02s
